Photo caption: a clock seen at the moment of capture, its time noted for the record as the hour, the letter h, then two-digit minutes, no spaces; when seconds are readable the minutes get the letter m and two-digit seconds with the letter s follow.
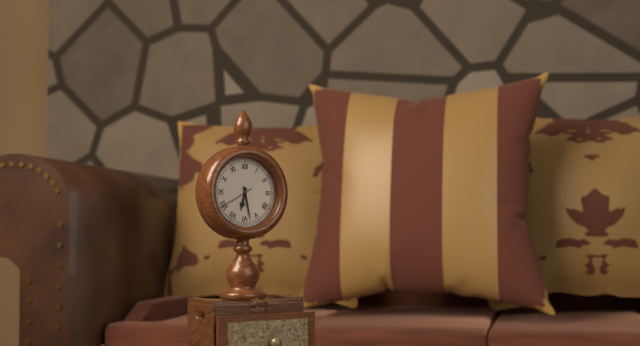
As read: 6h28
